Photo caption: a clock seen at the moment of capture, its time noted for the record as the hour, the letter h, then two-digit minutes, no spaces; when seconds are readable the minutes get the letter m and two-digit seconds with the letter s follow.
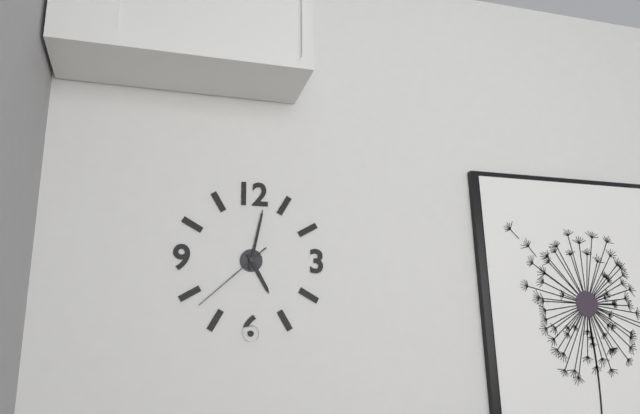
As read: 5h02m38s
